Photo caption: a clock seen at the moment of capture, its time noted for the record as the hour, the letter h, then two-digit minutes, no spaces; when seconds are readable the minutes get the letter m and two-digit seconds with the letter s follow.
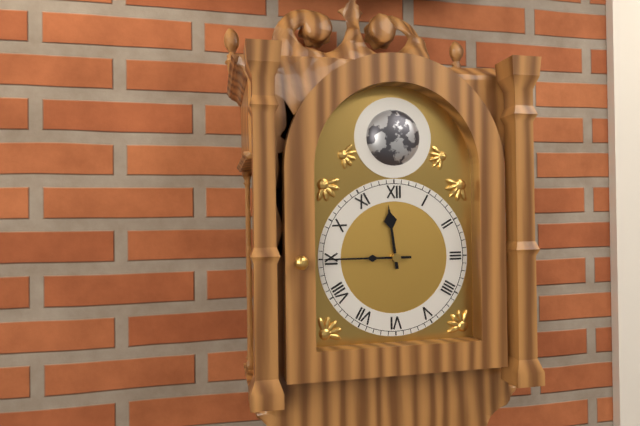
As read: 11h45
